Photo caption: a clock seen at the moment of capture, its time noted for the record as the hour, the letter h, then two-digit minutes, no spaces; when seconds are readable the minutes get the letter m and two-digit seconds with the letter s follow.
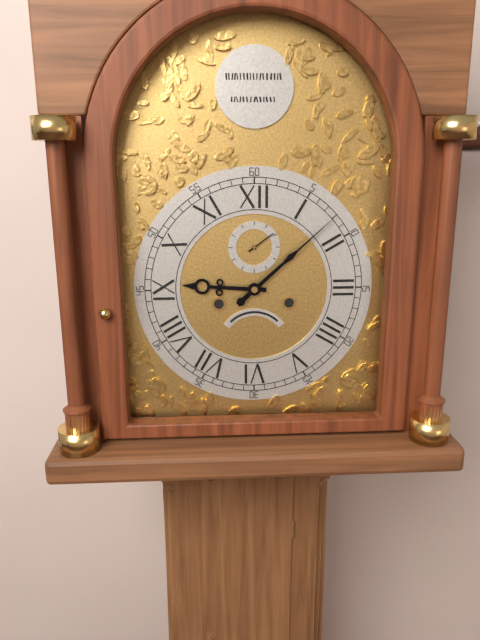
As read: 9h08
